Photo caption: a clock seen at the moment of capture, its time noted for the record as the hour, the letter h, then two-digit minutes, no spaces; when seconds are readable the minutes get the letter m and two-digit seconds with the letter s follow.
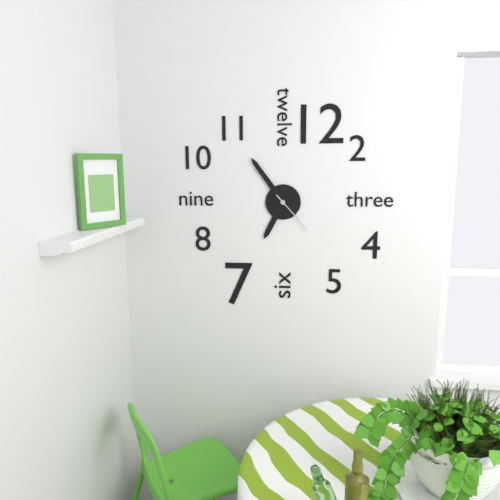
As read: 6h54
